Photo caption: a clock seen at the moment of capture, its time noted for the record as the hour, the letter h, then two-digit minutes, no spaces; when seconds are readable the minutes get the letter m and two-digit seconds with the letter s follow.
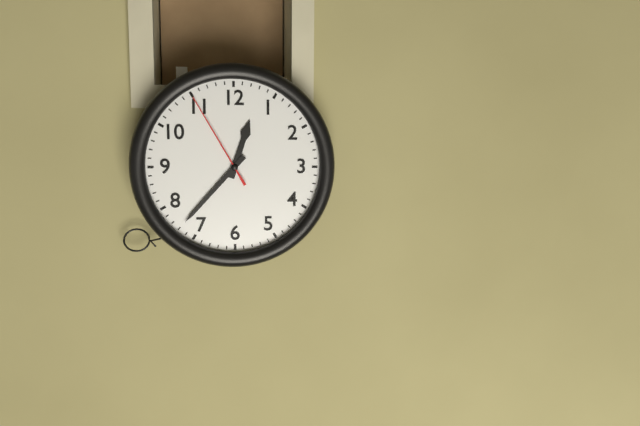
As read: 12h37m55s
